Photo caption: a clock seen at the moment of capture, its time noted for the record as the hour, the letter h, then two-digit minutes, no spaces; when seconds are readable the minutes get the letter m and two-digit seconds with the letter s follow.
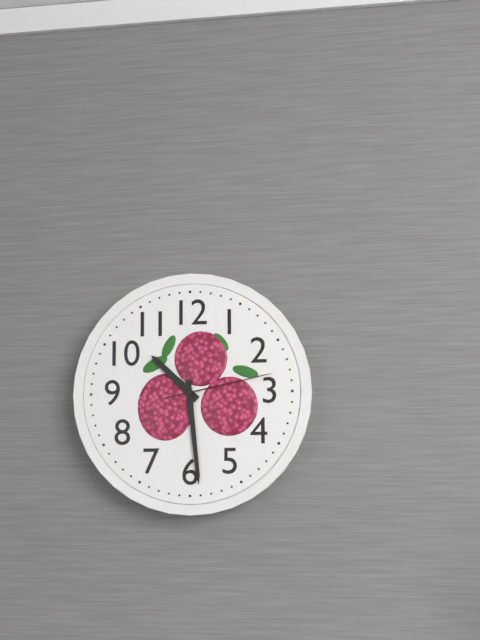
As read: 10h29m13s
